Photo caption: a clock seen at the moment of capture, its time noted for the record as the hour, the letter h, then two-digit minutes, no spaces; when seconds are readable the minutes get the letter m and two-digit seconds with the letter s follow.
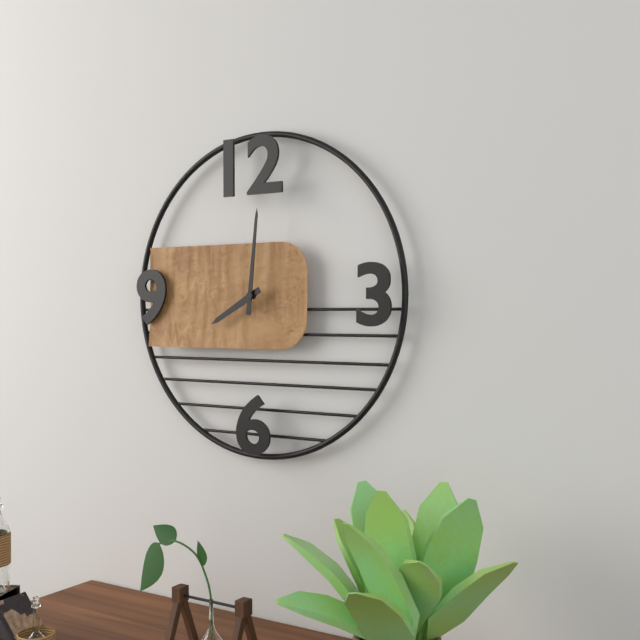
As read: 8h01
